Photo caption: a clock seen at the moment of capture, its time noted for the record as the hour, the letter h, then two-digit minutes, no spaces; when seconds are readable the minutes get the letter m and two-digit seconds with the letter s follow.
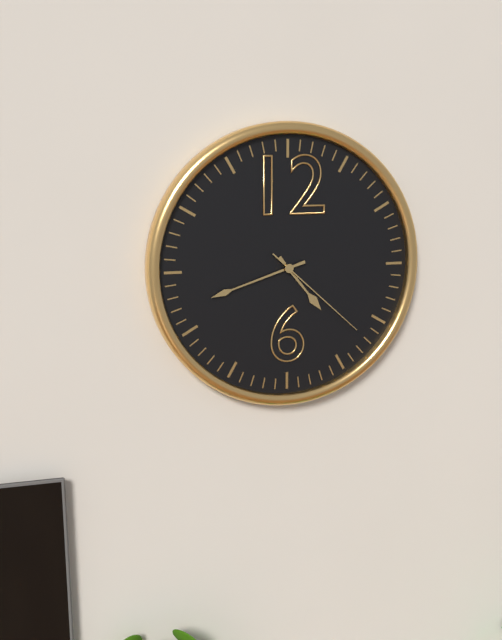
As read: 4h42m22s
